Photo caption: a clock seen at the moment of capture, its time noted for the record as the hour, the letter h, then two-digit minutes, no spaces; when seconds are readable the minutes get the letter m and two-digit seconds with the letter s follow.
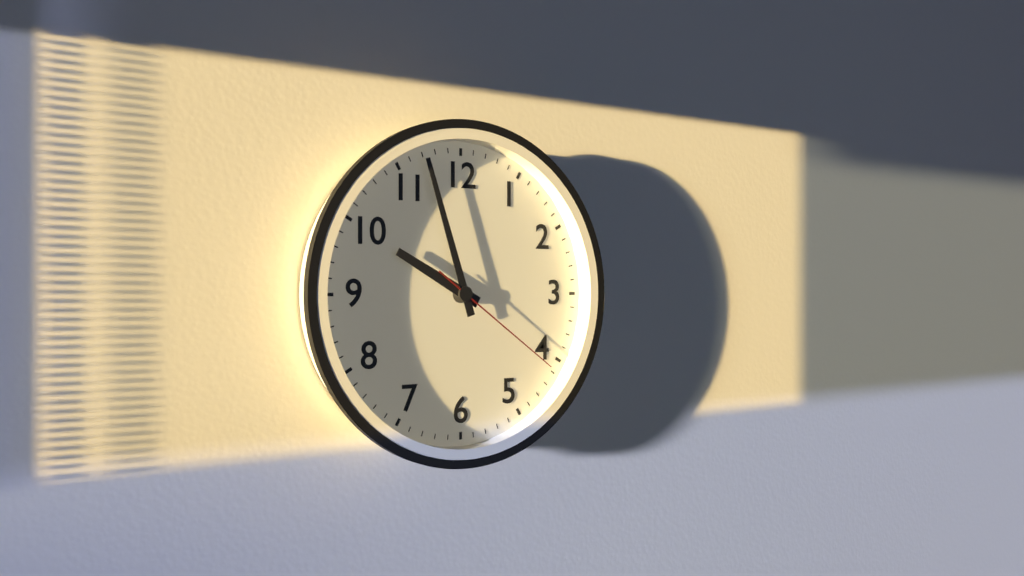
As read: 9h57m21s
